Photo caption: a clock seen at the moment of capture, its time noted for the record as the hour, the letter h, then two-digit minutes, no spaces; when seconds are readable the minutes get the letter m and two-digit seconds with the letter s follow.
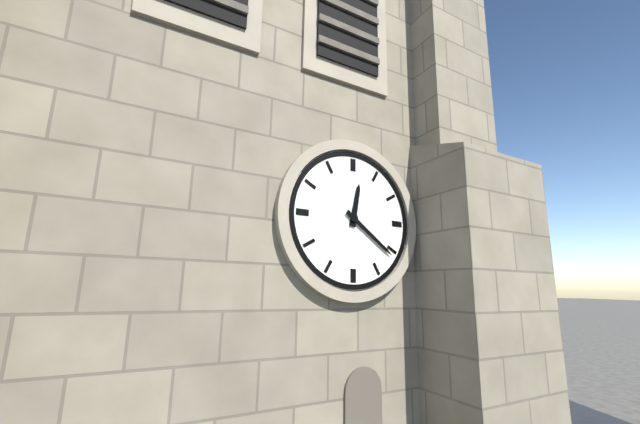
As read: 12h21
